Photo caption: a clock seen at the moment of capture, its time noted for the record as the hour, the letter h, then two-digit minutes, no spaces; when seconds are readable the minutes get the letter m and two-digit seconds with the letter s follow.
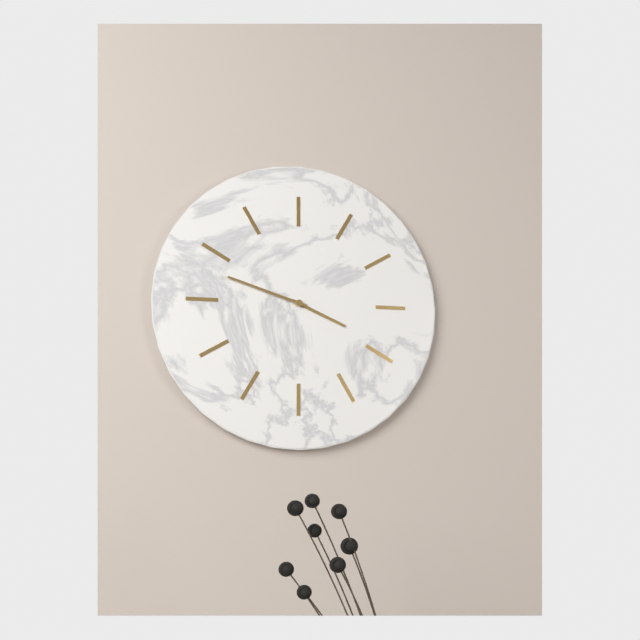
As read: 3h48
